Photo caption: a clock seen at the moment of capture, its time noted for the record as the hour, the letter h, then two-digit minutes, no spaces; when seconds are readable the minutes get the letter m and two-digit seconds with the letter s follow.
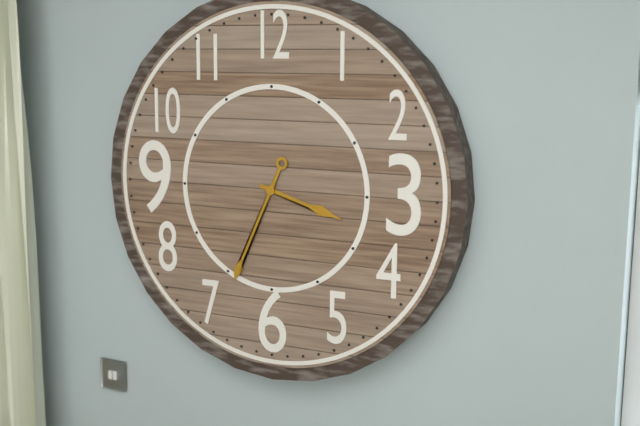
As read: 3h34
